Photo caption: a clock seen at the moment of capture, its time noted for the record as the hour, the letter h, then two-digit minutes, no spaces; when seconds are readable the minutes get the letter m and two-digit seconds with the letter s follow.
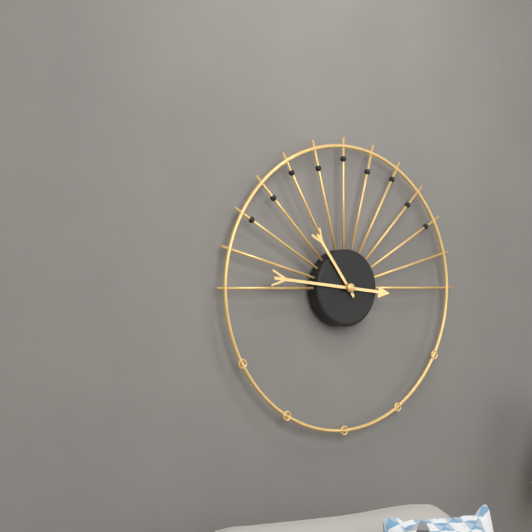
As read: 10h46
